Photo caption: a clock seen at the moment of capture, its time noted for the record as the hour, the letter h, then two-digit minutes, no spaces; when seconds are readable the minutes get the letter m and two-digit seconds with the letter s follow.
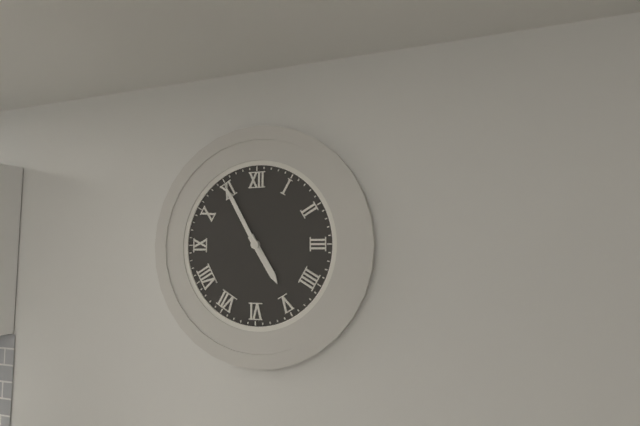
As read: 4h55
